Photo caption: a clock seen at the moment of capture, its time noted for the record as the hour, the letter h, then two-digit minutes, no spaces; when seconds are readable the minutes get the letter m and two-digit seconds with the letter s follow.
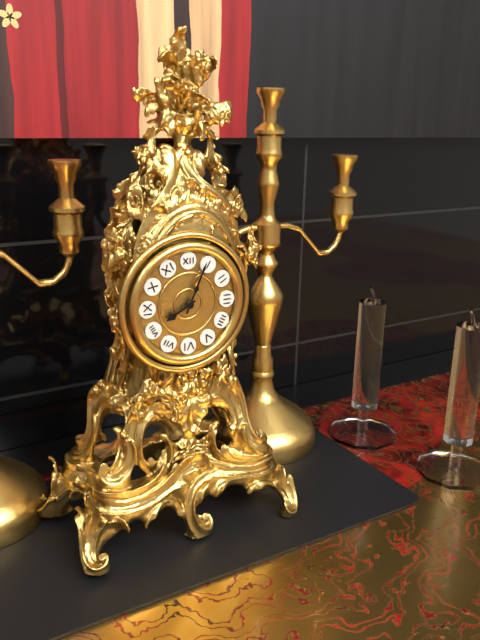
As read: 8h04
